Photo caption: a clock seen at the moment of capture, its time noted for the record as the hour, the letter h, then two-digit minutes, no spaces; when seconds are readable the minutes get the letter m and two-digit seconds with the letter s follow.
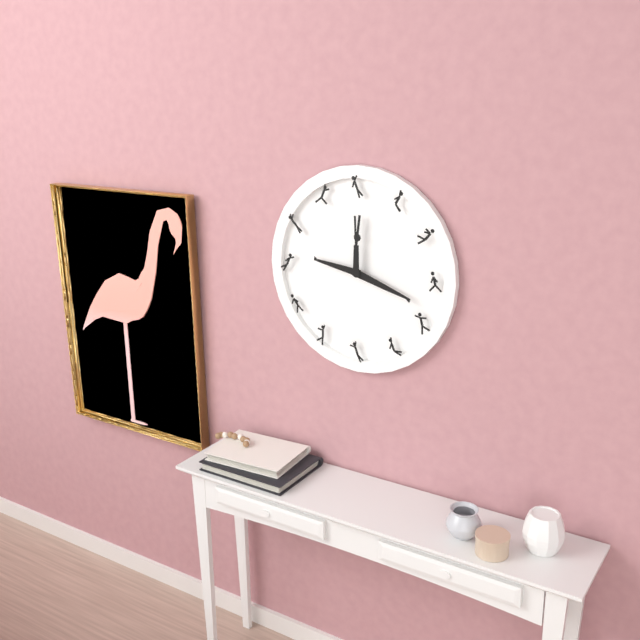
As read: 9h18
